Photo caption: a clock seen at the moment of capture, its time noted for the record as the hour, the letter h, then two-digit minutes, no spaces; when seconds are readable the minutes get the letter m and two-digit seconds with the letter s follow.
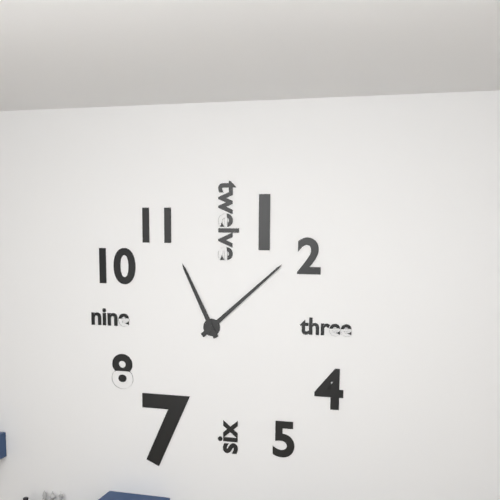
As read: 11h08
